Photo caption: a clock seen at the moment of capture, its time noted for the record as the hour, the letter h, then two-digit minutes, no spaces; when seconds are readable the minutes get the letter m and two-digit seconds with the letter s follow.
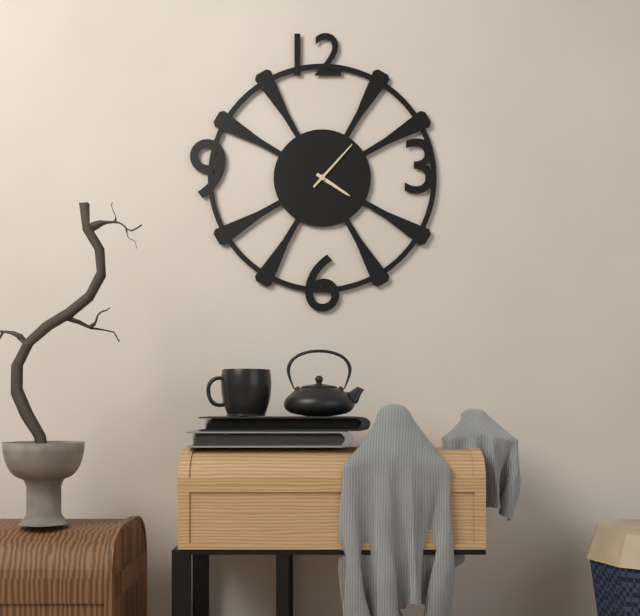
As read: 4h07
